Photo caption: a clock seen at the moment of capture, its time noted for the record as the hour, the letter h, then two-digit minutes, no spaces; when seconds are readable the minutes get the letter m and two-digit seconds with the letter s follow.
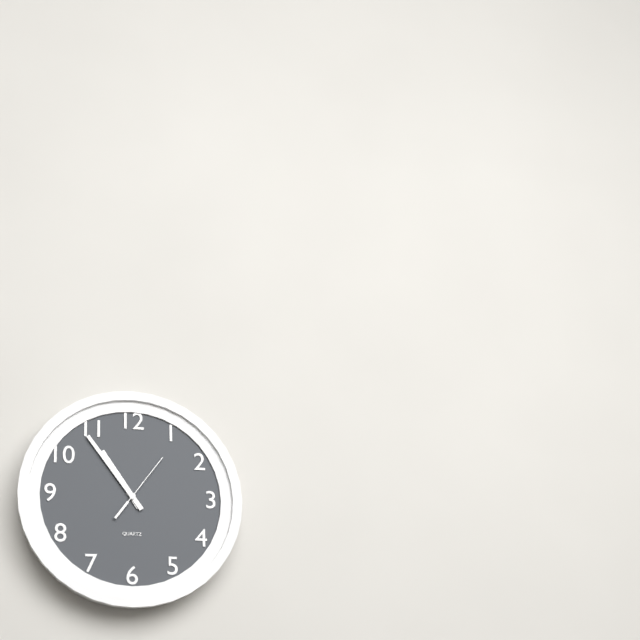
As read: 10h54m06s
